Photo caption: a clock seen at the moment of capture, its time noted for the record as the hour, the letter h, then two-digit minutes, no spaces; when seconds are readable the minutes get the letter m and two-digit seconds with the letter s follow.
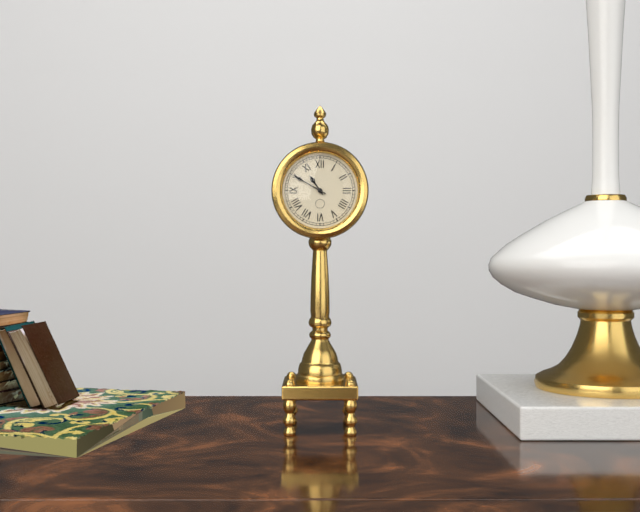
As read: 10h50
